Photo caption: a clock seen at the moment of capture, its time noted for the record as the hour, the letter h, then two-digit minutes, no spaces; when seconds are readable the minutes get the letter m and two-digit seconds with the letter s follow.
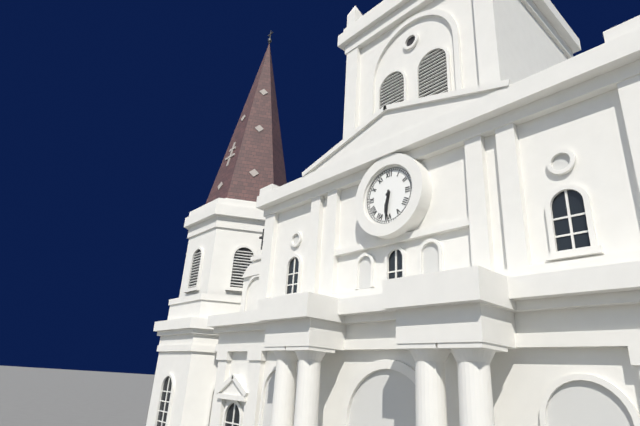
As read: 6h31
